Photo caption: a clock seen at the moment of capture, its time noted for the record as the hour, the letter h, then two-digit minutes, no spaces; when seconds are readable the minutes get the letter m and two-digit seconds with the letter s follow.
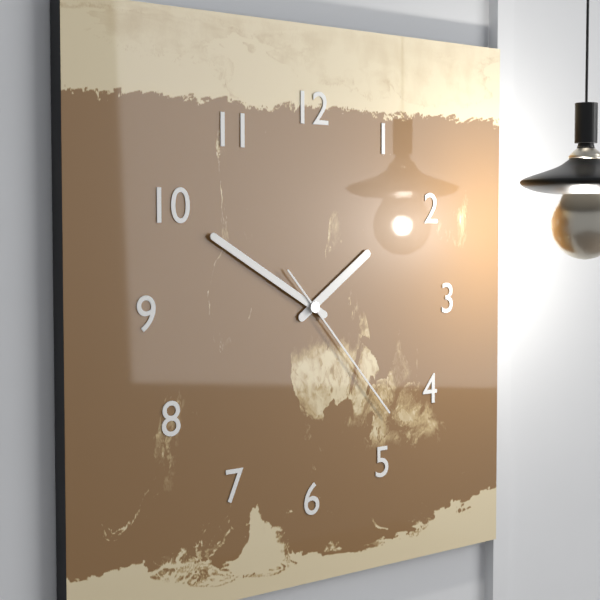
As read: 1h50m23s
